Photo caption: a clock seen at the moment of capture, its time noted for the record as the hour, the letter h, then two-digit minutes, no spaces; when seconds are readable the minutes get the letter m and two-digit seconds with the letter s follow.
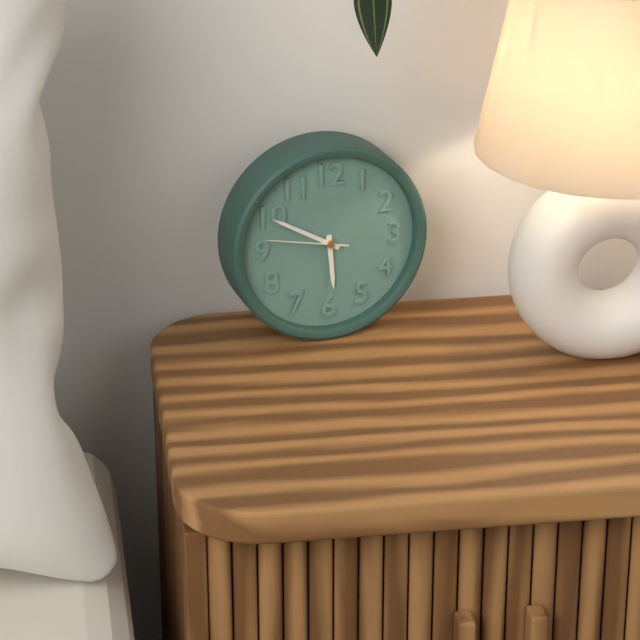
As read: 5h50m47s
